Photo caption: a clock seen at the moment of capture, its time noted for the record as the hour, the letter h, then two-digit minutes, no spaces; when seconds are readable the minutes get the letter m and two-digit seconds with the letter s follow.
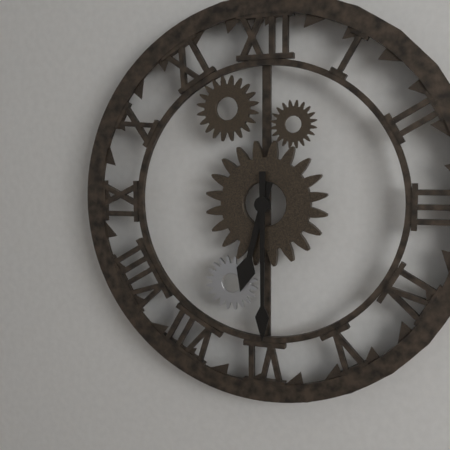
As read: 6h30
